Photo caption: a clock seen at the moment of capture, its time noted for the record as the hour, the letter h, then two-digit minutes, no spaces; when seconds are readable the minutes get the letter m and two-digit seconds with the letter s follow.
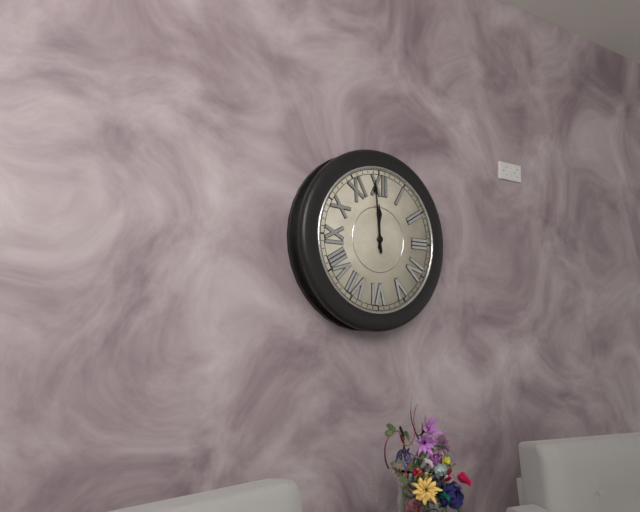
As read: 11h59
